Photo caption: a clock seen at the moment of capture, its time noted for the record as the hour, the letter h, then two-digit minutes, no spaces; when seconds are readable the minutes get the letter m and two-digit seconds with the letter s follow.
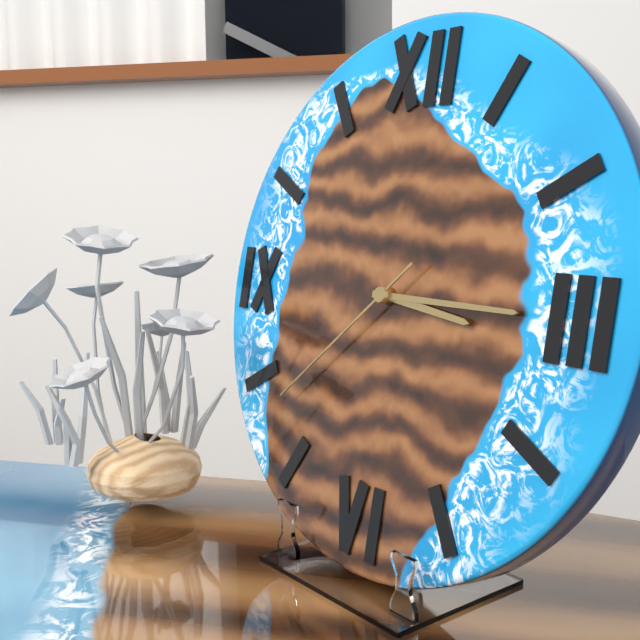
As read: 3h15m38s
